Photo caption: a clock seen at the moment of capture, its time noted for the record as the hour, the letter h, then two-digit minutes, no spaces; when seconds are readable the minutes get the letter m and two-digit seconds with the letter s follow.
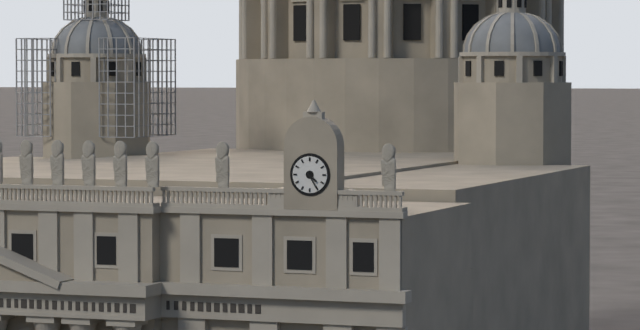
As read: 4h25
